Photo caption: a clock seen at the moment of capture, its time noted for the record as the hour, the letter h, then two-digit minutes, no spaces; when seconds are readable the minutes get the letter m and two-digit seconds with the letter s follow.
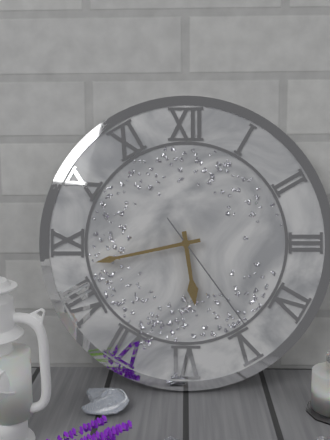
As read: 5h43m24s
